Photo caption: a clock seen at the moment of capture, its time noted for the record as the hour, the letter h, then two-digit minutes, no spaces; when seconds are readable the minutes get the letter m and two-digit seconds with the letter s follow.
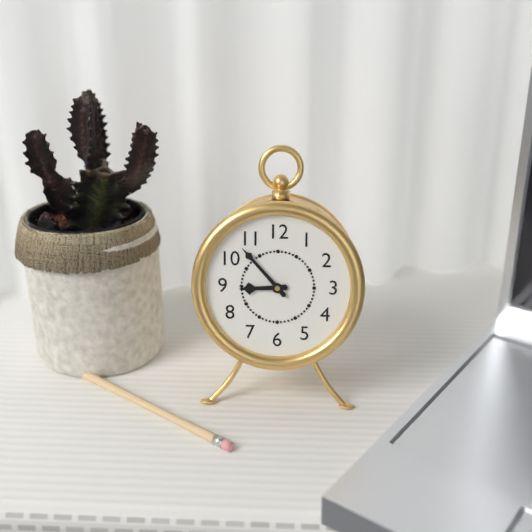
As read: 8h53
